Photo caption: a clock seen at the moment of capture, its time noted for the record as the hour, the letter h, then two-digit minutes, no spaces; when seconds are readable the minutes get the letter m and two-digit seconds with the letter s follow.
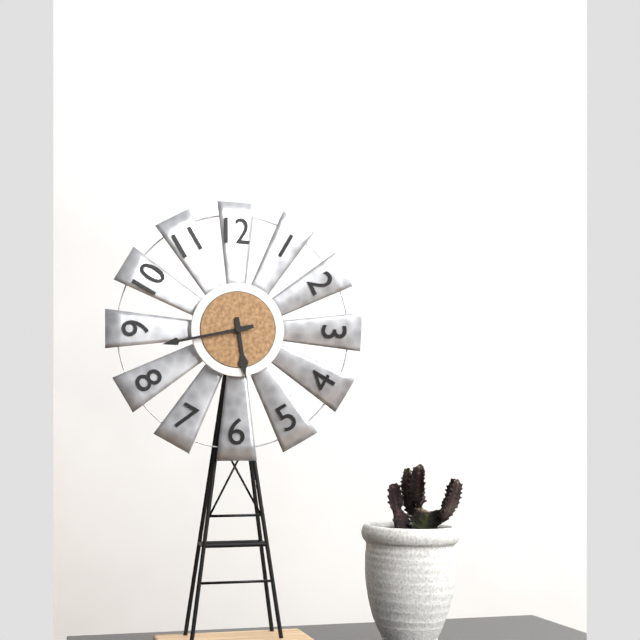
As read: 5h43
